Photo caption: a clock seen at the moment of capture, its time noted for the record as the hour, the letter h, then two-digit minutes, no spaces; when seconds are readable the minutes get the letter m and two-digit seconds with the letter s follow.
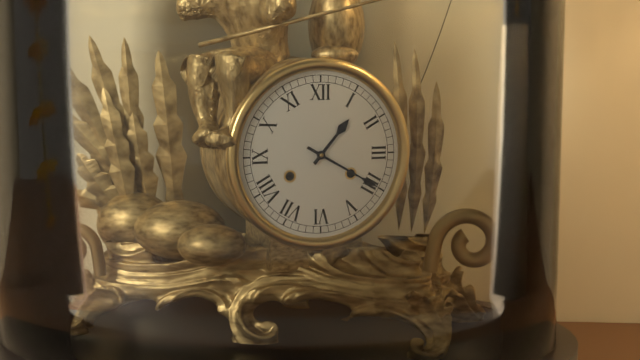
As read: 1h20
